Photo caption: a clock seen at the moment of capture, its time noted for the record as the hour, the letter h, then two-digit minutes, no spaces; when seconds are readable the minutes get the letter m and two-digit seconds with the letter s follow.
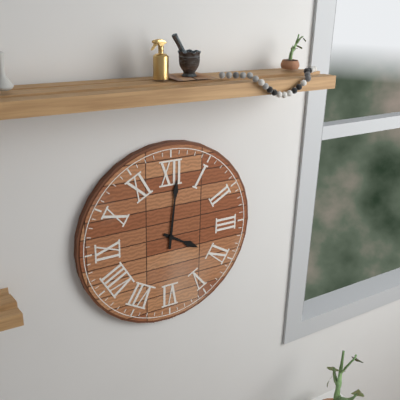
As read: 4h01
